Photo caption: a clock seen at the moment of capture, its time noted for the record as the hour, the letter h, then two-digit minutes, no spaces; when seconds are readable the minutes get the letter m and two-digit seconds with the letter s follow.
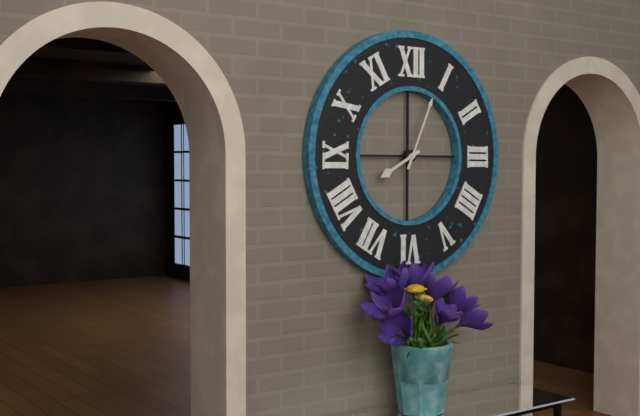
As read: 8h04
